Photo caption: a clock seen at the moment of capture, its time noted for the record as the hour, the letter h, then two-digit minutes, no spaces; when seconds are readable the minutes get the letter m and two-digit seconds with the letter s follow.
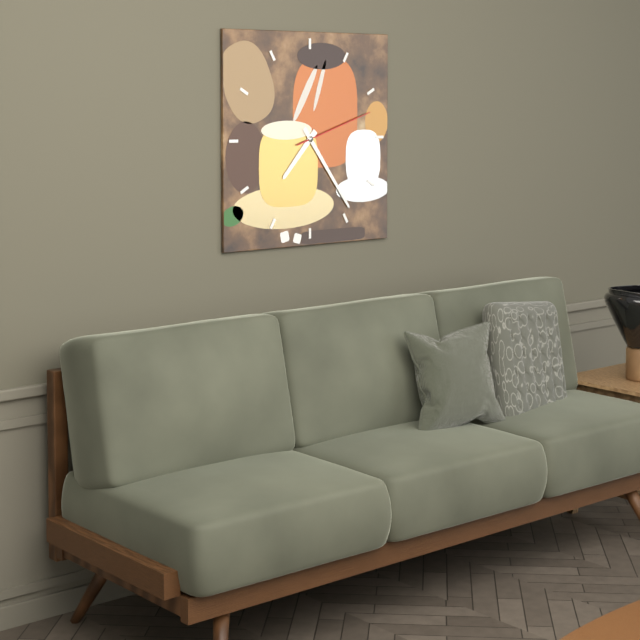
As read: 7h24m12s
